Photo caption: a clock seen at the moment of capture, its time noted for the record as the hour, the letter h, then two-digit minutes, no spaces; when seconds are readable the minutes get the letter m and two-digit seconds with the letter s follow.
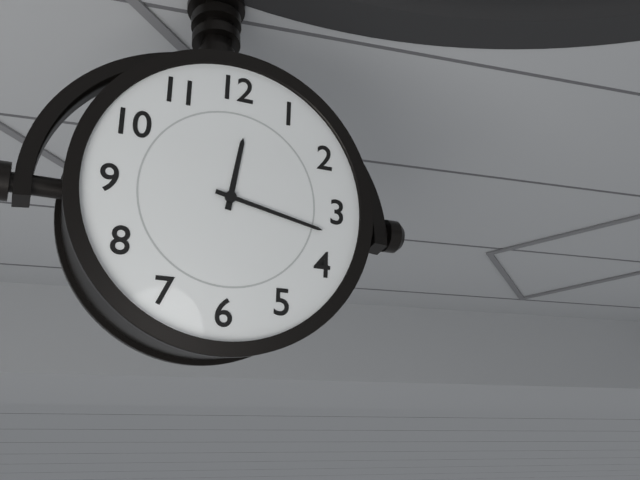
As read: 12h17
